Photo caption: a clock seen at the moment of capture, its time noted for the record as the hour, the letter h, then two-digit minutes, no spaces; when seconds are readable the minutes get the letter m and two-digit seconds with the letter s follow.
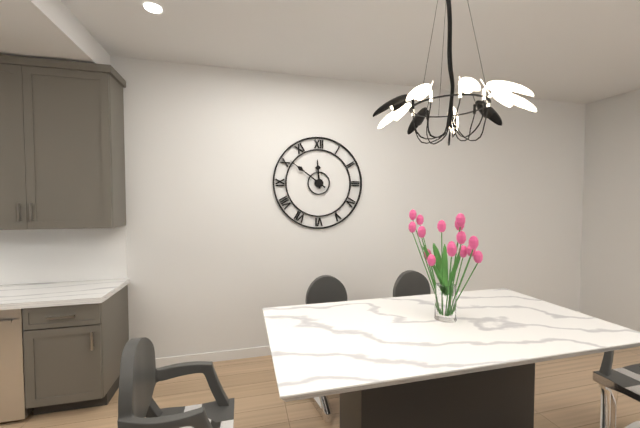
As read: 11h51
